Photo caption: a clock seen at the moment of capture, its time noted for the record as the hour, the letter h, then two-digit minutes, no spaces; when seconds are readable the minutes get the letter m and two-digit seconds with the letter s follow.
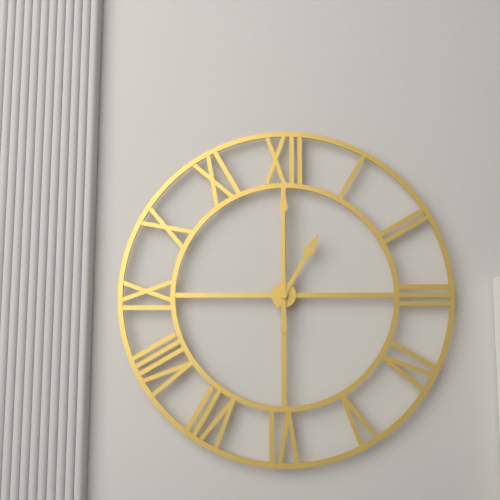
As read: 1h00
